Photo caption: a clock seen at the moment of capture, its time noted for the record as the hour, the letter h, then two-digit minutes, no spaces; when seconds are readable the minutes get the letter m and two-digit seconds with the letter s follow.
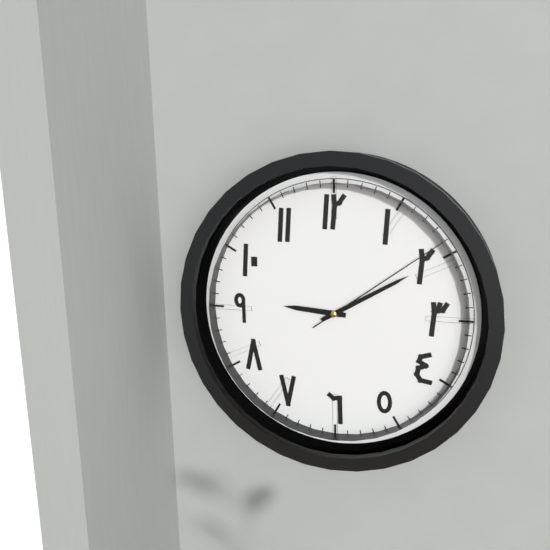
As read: 9h10m09s
